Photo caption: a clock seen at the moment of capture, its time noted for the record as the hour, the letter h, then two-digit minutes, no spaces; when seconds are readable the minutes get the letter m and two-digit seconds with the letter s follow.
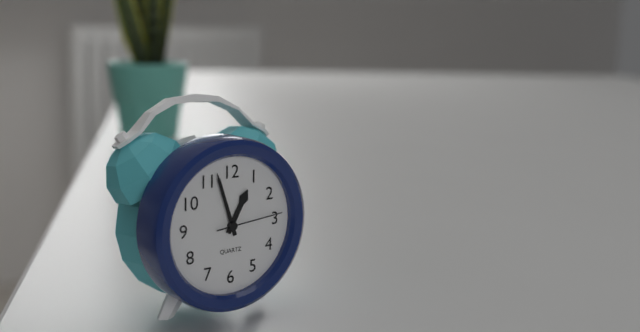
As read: 12h57m14s
